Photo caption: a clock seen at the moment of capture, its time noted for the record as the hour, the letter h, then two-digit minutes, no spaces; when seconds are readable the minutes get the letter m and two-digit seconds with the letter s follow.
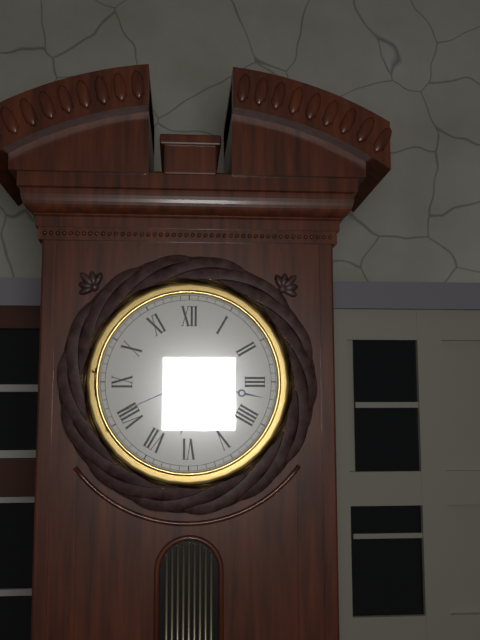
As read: 6h17m41s
